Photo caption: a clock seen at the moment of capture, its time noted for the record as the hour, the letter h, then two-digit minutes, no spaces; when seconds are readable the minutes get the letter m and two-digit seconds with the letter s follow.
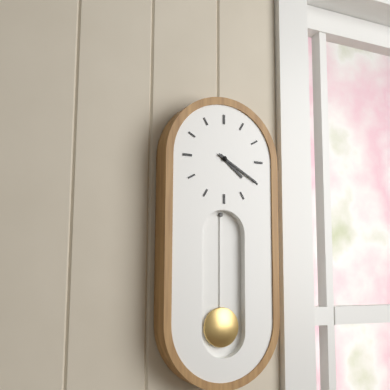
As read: 4h20
